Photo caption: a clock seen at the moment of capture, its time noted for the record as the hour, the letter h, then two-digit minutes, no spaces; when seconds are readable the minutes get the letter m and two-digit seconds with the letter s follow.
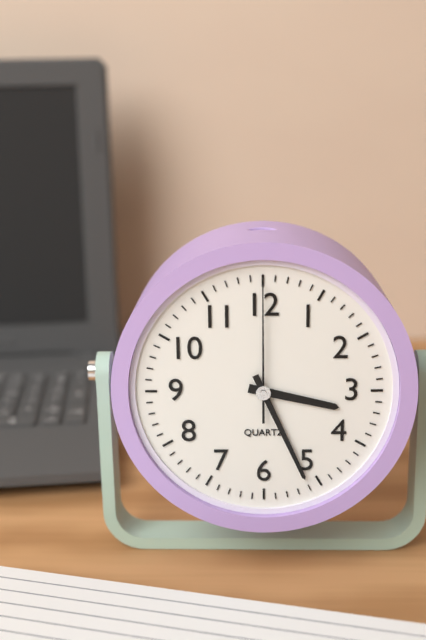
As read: 3h26m00s
